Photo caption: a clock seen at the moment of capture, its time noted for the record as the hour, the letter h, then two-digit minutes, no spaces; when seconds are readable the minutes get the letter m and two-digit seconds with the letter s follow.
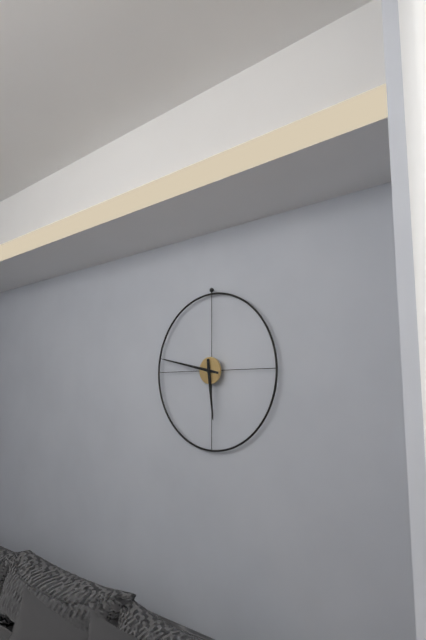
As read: 5h47
